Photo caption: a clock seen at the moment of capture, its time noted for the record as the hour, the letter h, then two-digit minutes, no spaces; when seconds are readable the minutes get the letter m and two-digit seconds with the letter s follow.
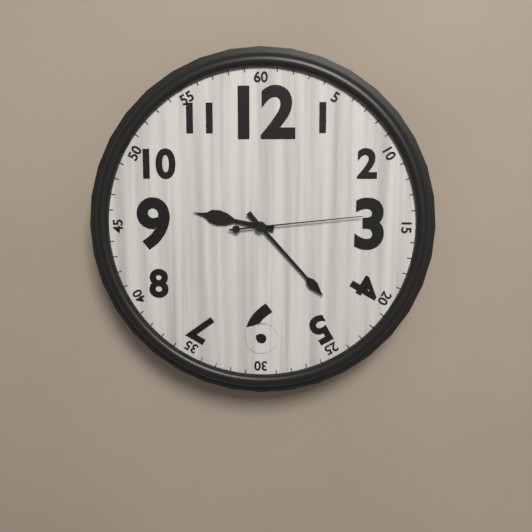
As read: 9h23m14s
